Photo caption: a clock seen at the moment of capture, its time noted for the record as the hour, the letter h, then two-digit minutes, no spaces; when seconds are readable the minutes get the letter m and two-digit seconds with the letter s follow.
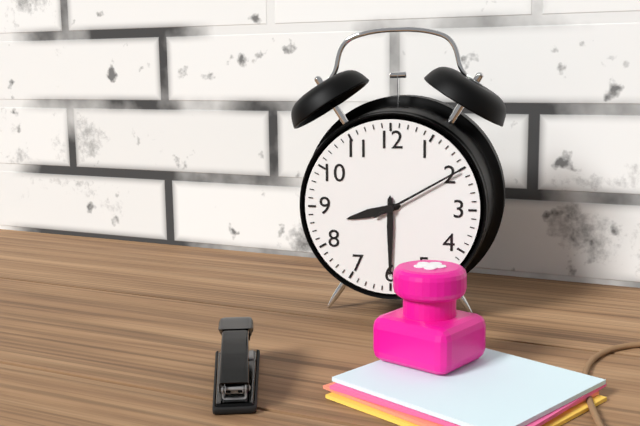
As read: 8h30m10s
